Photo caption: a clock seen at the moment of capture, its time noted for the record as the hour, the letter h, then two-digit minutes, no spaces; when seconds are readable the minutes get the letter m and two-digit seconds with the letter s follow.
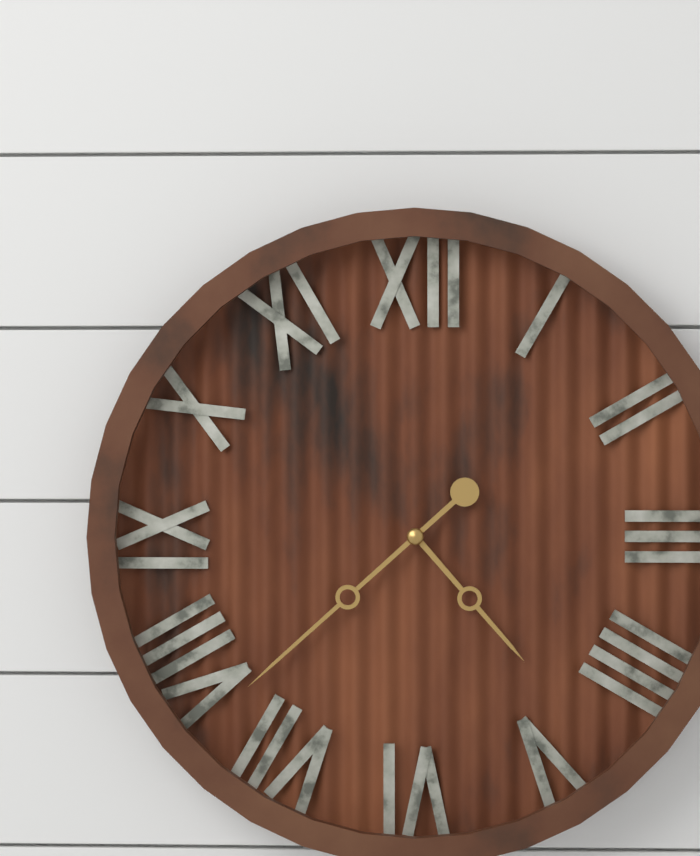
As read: 4h38
